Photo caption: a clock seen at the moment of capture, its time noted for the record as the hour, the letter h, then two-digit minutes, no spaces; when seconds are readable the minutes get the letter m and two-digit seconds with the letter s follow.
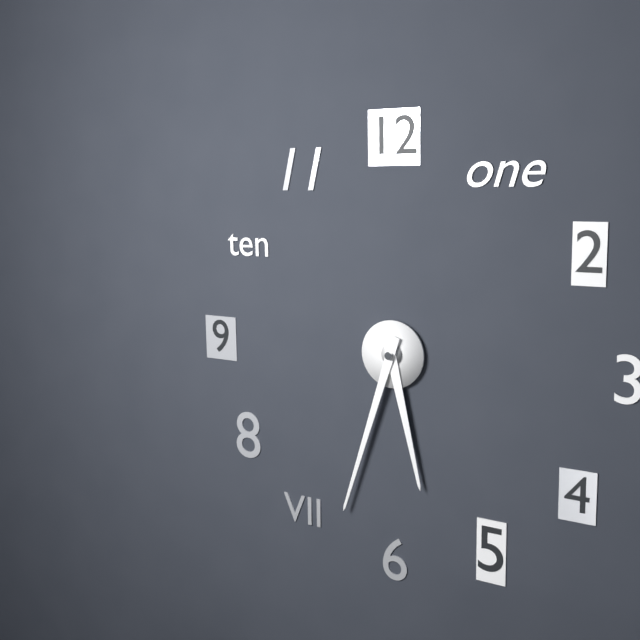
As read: 5h33
